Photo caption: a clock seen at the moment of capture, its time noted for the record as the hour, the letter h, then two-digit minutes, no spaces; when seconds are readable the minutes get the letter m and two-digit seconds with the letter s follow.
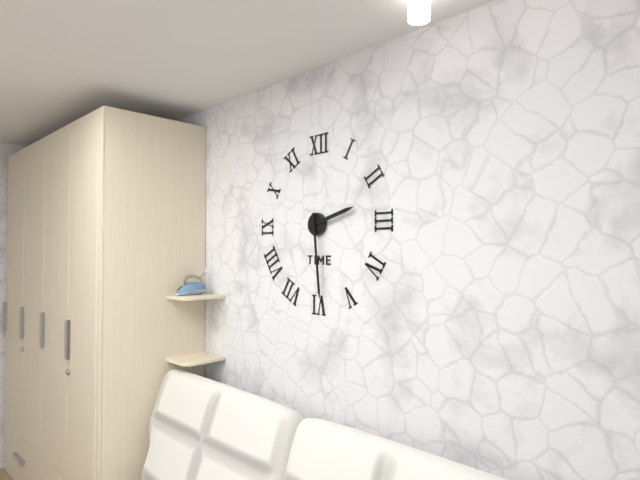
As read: 2h29
